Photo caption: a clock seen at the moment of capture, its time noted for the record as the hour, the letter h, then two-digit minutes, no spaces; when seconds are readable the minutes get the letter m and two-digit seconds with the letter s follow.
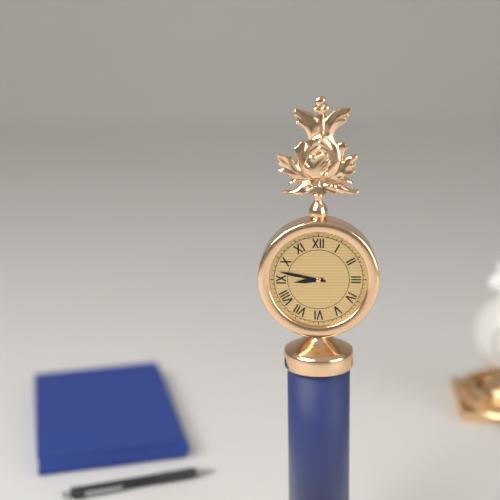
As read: 8h47
